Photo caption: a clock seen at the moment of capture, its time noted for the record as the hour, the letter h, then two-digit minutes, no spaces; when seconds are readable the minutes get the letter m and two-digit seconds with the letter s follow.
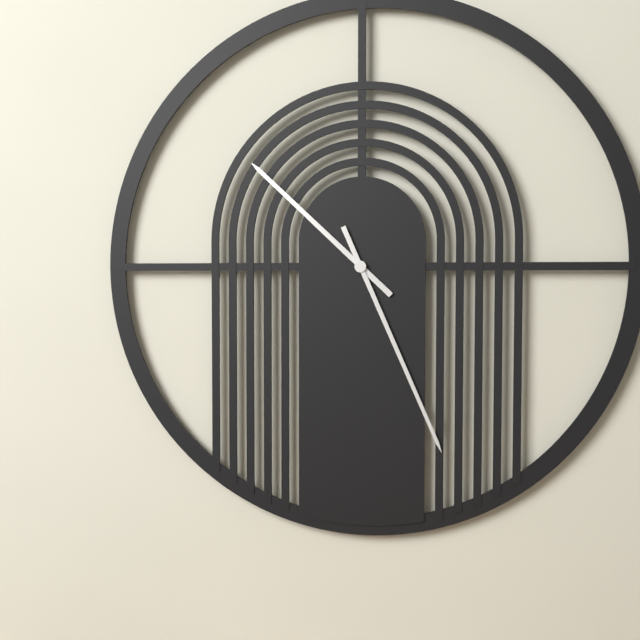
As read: 10h26
